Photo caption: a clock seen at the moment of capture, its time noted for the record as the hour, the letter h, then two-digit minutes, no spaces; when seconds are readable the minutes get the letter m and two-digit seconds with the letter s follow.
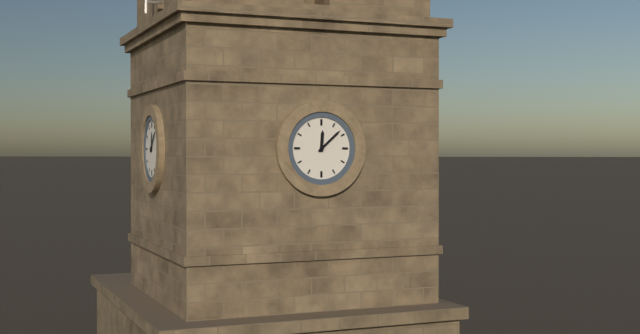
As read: 12h08
